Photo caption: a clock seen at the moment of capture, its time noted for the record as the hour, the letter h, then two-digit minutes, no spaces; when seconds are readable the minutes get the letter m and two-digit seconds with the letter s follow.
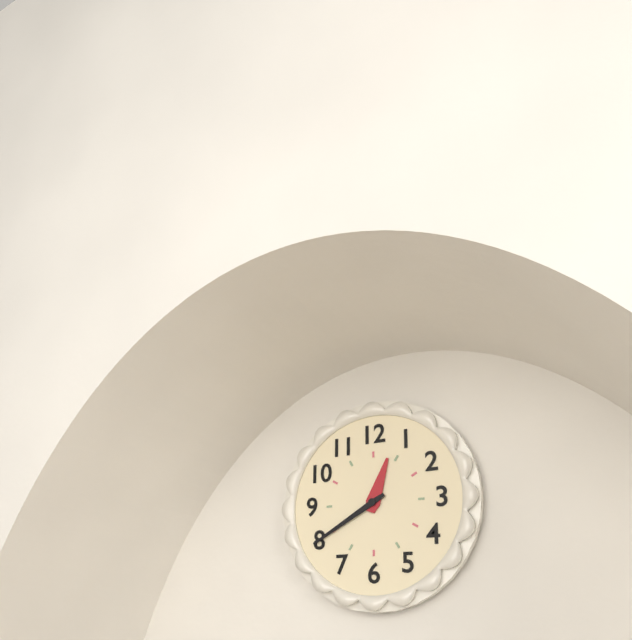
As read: 12h40
